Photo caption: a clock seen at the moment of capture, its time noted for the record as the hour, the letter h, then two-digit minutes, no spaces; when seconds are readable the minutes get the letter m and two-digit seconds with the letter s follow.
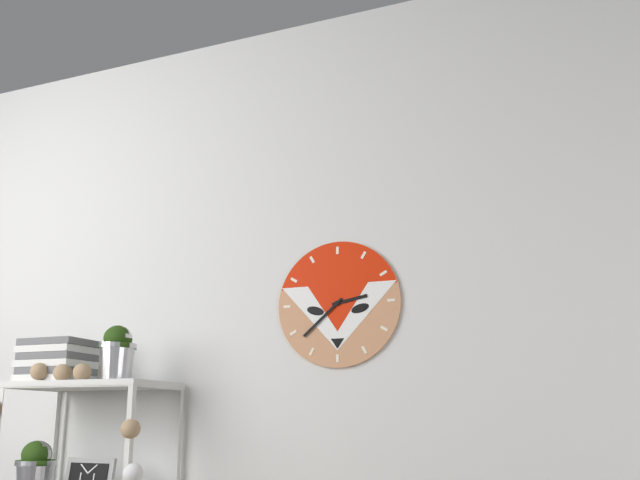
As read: 2h38
